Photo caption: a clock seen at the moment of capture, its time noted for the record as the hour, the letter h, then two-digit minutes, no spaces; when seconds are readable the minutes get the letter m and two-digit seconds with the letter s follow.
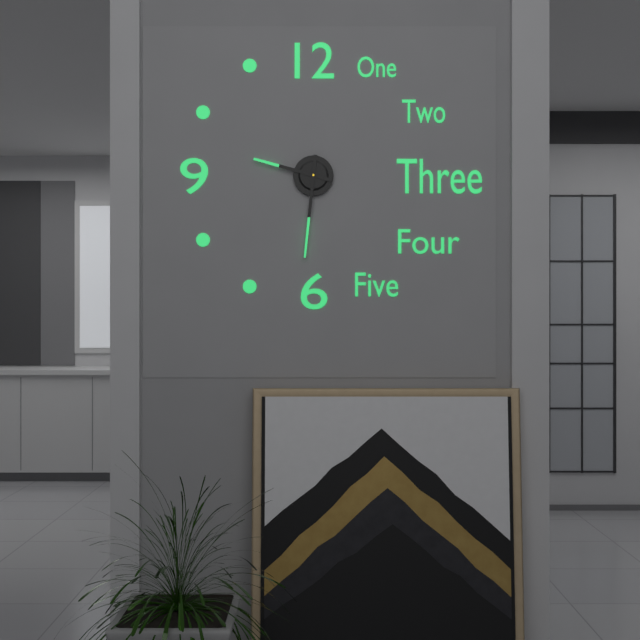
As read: 9h31
